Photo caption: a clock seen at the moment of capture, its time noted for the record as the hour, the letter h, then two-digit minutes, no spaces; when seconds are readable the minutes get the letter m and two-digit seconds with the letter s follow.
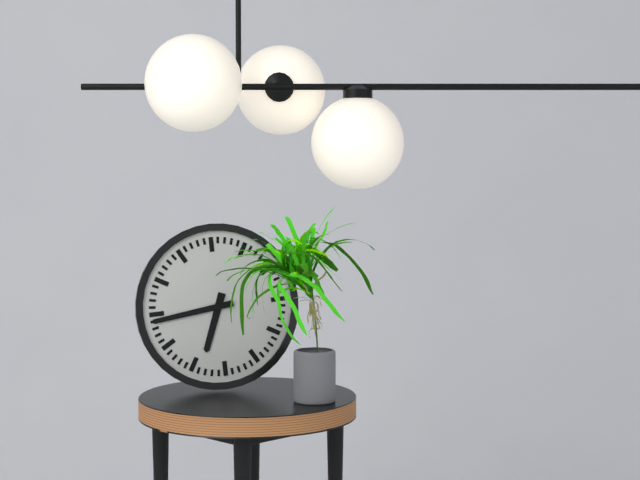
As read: 6h44
